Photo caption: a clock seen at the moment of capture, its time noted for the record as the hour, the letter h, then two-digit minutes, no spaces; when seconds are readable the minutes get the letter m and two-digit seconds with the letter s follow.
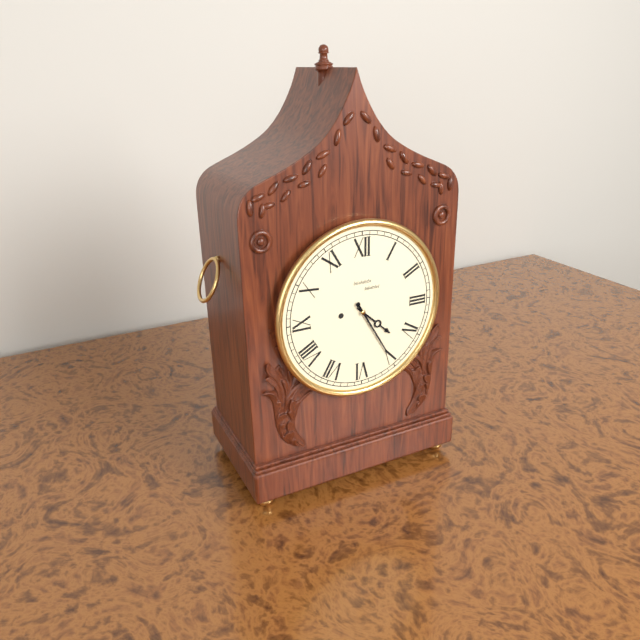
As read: 4h25
